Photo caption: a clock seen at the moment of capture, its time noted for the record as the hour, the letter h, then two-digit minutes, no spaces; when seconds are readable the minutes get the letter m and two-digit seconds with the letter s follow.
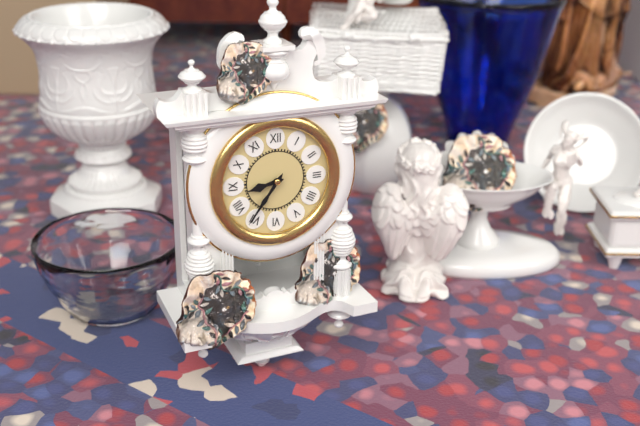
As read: 8h36
